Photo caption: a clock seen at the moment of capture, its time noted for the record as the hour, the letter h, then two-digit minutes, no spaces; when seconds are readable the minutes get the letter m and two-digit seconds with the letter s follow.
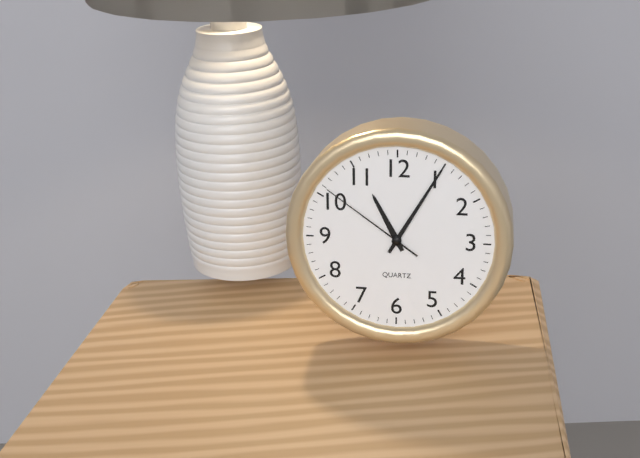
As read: 11h05m51s
